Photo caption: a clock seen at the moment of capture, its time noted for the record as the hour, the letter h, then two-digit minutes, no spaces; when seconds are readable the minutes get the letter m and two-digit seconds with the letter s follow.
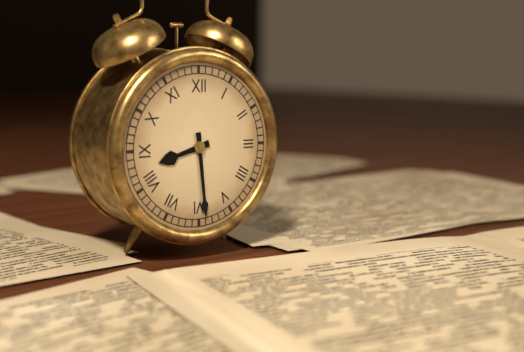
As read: 8h29
